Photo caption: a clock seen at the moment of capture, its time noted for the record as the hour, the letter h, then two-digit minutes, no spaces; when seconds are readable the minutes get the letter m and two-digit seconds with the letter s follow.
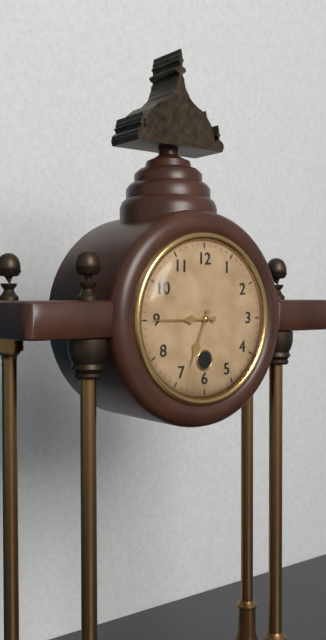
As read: 6h45
